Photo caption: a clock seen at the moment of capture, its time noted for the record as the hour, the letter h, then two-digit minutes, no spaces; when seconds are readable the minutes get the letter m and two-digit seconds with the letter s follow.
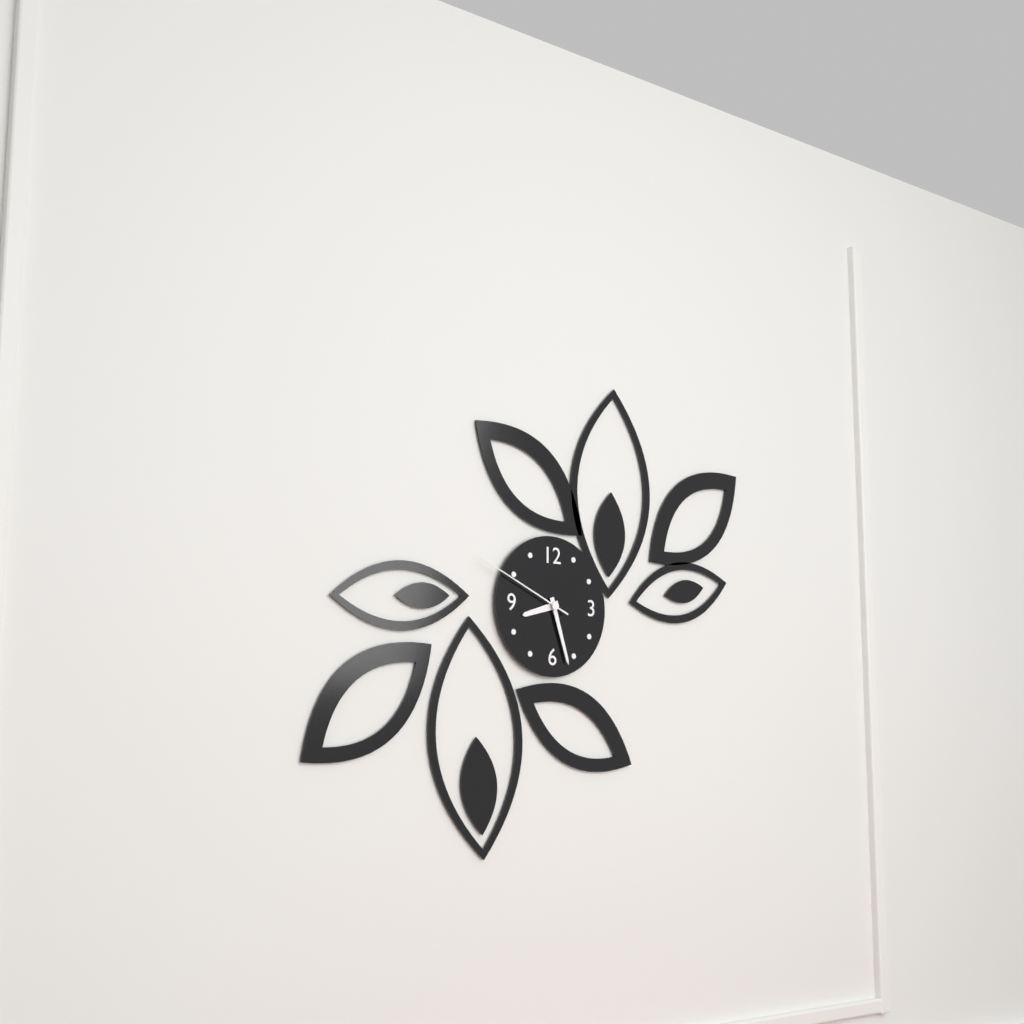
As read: 8h27m49s
